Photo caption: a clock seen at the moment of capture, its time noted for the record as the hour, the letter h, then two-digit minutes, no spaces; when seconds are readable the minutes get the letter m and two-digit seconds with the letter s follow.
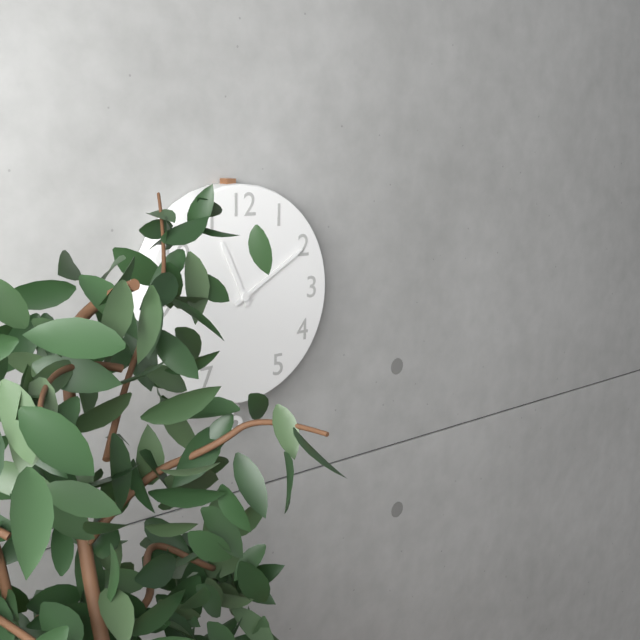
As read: 11h10
